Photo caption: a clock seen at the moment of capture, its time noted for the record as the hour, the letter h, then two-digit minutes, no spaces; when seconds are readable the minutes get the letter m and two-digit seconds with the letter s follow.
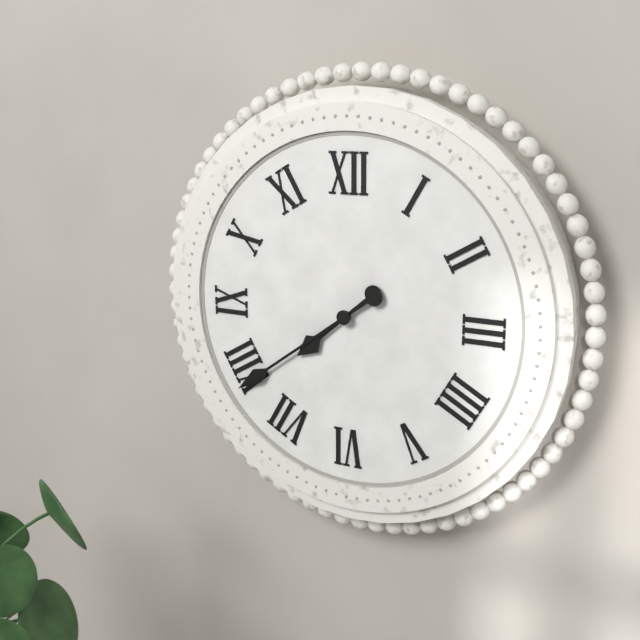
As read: 7h39
